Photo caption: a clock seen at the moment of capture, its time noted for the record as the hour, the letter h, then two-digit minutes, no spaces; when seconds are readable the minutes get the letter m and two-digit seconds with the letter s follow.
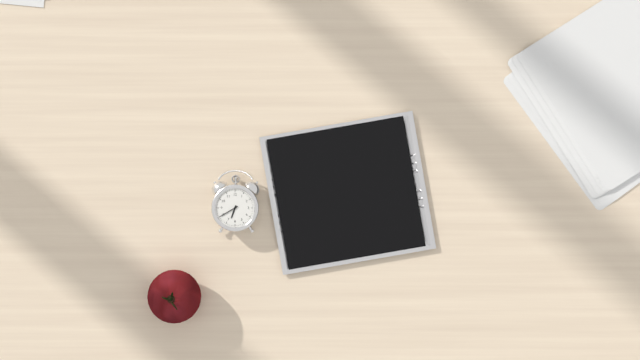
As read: 6h40
